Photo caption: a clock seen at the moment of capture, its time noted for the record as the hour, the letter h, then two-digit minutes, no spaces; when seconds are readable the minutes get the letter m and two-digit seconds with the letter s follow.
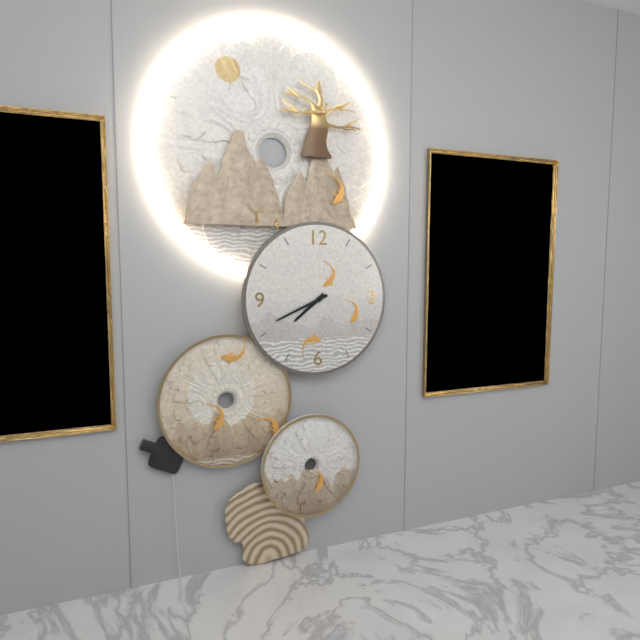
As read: 7h41
